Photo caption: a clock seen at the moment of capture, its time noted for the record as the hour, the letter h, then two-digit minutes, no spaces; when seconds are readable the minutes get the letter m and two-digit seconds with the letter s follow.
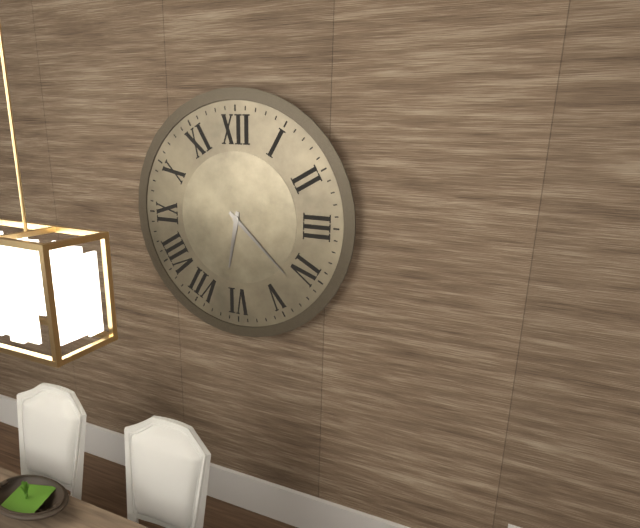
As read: 6h22
